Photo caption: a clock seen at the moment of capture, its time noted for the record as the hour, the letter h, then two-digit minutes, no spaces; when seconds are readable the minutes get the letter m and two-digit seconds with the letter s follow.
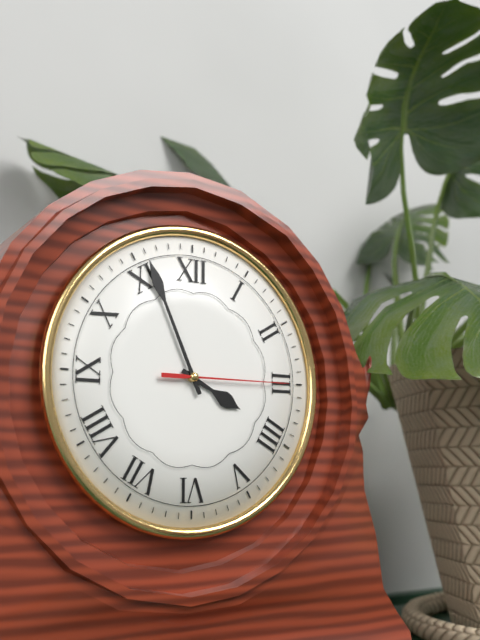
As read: 3h56m15s
